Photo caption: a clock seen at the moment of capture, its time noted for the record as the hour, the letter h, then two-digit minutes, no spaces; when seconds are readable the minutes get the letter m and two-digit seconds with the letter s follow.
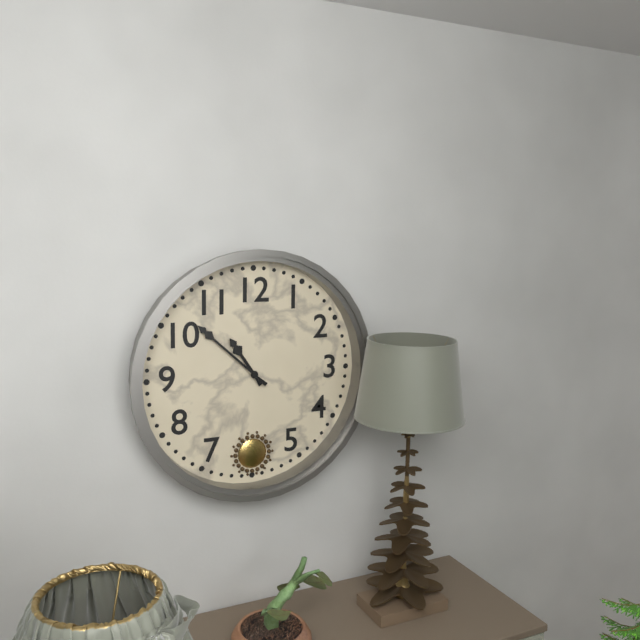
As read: 10h52
